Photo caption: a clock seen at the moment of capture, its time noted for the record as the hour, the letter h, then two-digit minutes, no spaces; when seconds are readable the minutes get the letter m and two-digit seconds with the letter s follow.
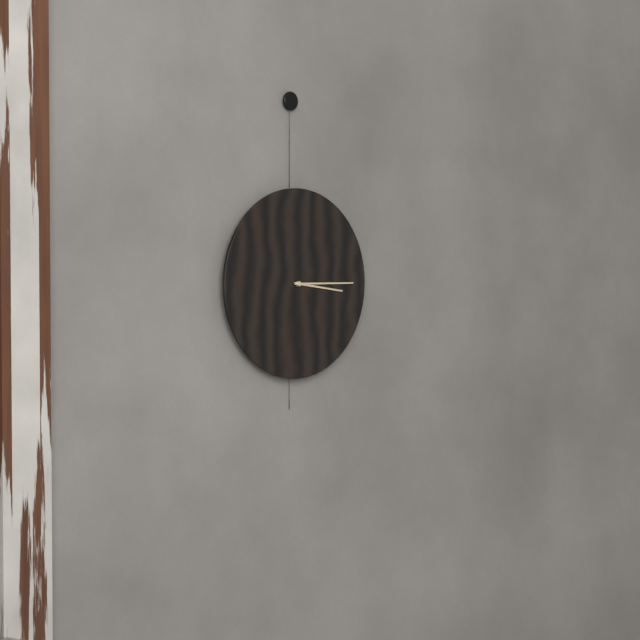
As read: 3h15
